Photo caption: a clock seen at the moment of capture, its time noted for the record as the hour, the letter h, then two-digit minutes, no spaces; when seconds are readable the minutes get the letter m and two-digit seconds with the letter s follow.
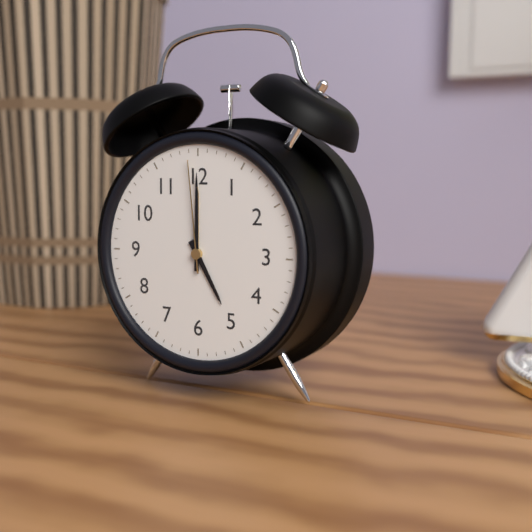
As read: 5h00m59s
